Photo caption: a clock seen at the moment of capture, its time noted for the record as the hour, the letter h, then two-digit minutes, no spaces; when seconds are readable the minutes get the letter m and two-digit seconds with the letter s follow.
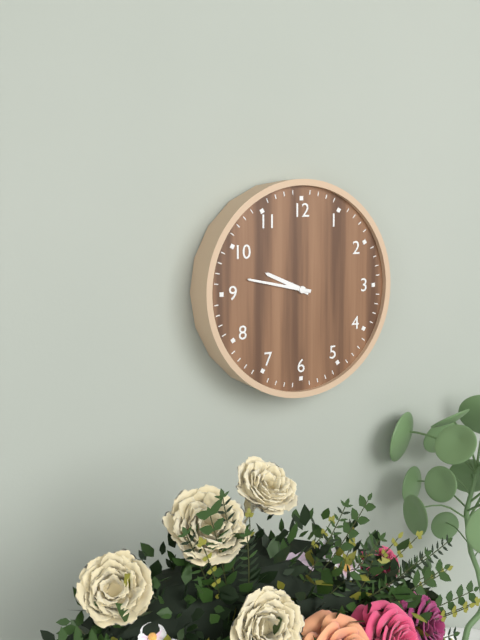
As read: 9h47
